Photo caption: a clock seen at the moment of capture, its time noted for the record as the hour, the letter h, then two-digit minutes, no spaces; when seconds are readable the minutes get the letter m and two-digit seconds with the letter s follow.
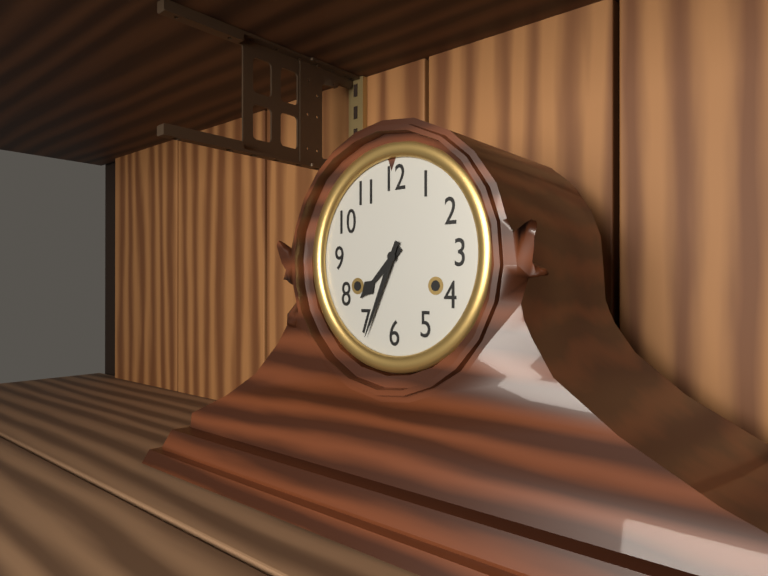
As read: 7h34
